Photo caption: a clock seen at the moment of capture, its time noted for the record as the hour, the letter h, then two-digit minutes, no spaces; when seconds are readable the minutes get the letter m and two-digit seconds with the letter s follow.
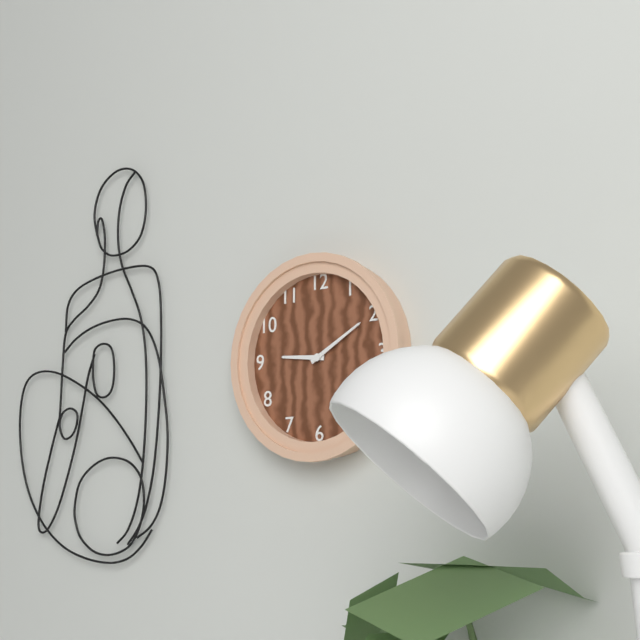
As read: 9h10
